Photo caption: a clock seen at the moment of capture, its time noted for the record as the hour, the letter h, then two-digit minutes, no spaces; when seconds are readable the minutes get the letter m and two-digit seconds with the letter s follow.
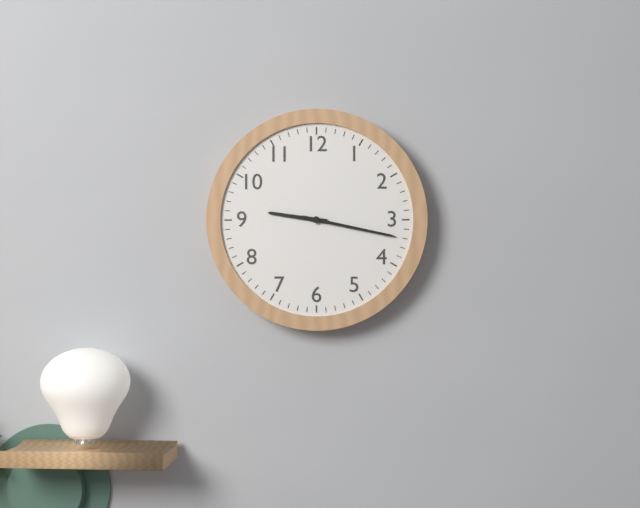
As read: 9h17
